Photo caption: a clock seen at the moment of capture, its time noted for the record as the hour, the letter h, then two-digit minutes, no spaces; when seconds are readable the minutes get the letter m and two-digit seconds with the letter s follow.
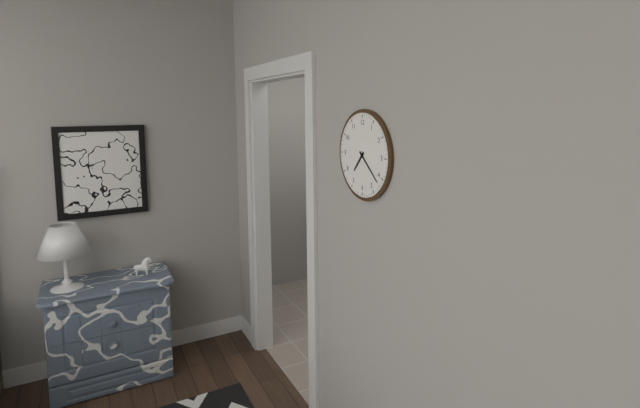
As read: 7h22
